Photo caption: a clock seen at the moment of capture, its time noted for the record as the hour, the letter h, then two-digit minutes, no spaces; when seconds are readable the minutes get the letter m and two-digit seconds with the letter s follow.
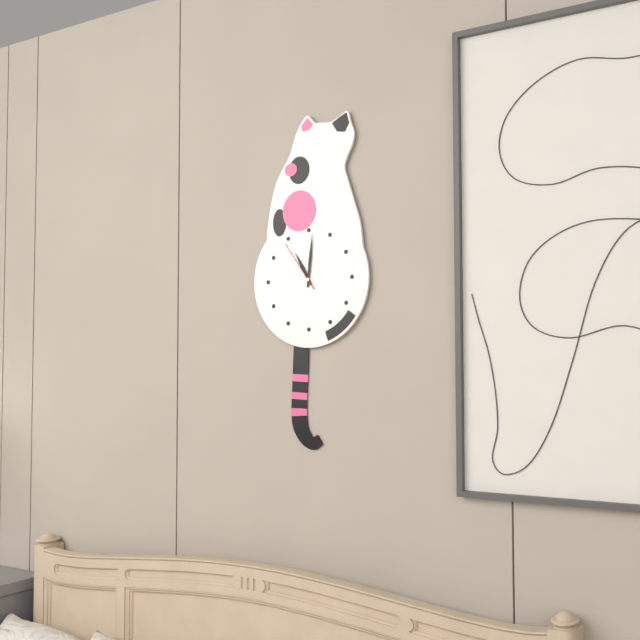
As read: 11h01m54s
